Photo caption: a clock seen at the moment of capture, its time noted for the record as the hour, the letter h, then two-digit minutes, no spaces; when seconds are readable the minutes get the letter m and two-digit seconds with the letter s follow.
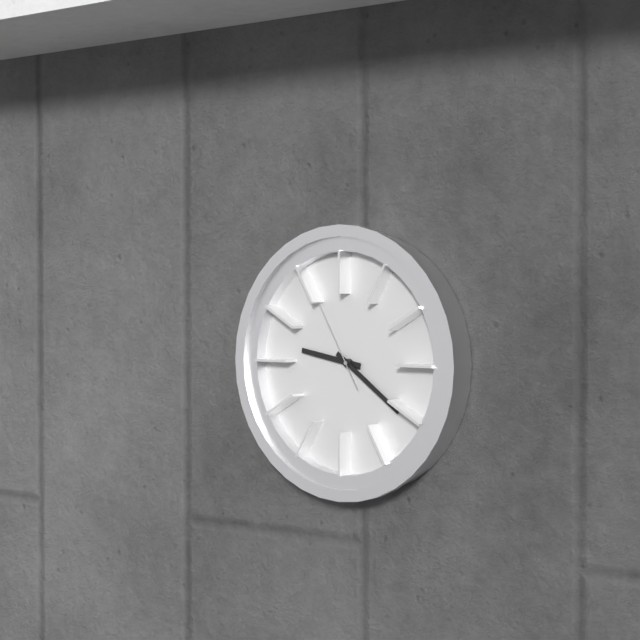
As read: 9h21m55s
